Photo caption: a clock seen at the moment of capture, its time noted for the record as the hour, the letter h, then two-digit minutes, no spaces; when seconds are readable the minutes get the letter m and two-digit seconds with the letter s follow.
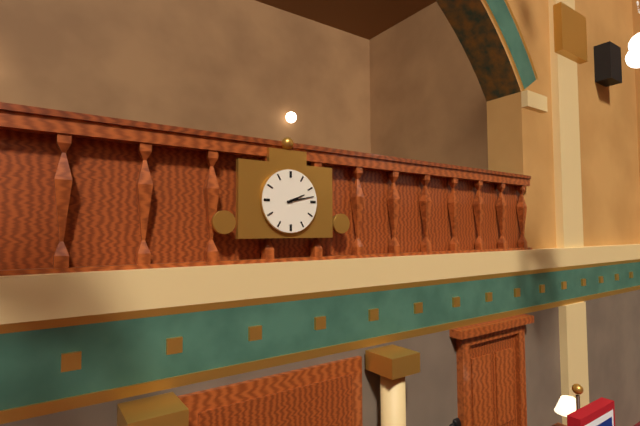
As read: 2h13
